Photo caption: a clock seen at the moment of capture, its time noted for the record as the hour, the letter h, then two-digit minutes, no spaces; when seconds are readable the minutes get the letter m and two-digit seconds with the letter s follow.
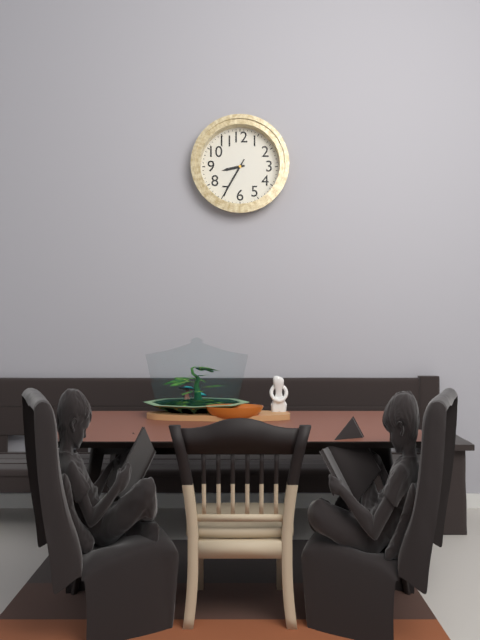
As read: 8h35
